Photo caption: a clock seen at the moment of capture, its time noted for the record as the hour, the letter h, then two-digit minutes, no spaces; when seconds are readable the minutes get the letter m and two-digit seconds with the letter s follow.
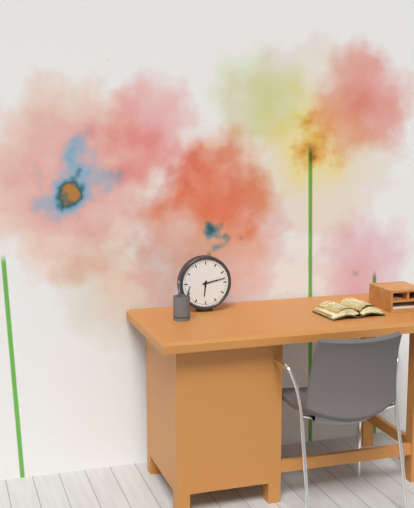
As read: 6h13
